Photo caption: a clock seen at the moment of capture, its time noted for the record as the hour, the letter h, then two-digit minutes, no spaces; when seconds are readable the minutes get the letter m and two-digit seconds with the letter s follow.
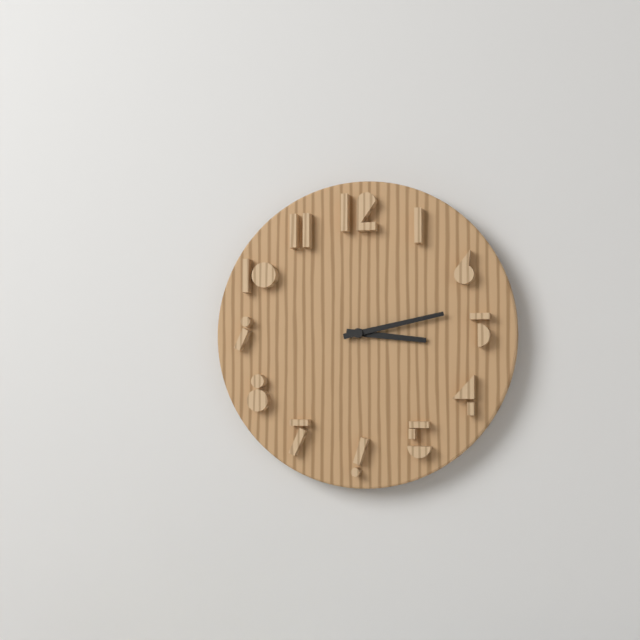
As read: 3h13
